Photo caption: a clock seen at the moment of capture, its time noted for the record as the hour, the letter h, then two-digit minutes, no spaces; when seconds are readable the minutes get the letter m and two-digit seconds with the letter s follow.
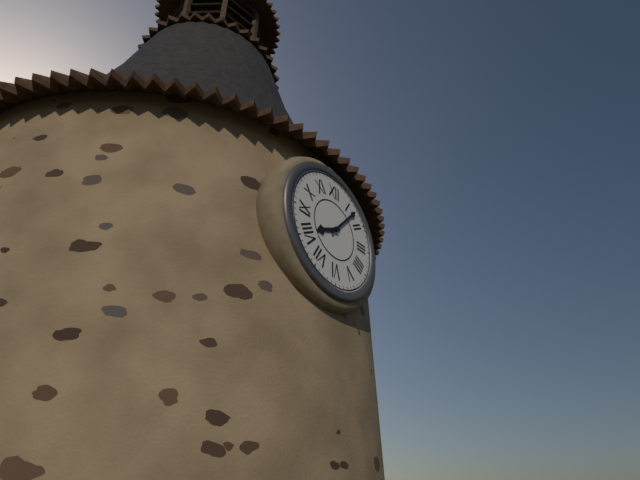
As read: 8h07
